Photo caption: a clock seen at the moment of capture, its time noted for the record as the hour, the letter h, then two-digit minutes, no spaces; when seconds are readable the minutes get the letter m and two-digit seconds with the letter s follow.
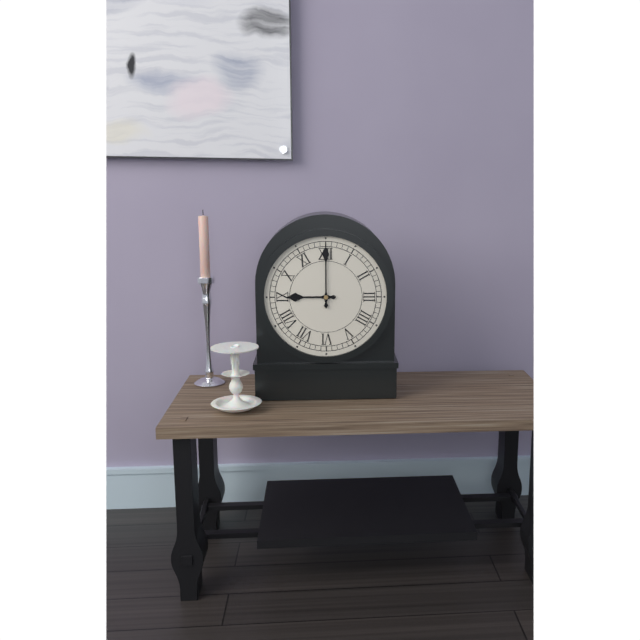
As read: 9h00
